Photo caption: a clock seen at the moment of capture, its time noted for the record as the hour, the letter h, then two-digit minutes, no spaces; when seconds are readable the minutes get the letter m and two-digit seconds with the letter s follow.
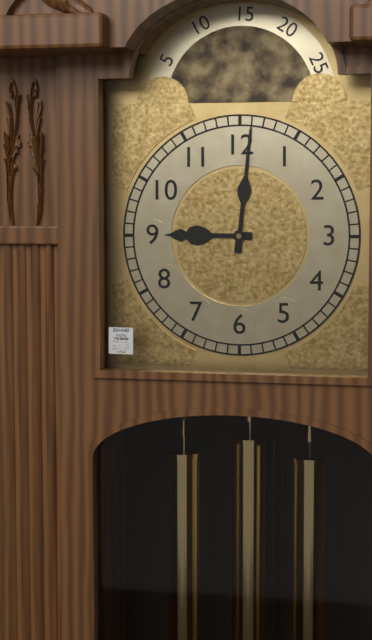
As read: 9h01
